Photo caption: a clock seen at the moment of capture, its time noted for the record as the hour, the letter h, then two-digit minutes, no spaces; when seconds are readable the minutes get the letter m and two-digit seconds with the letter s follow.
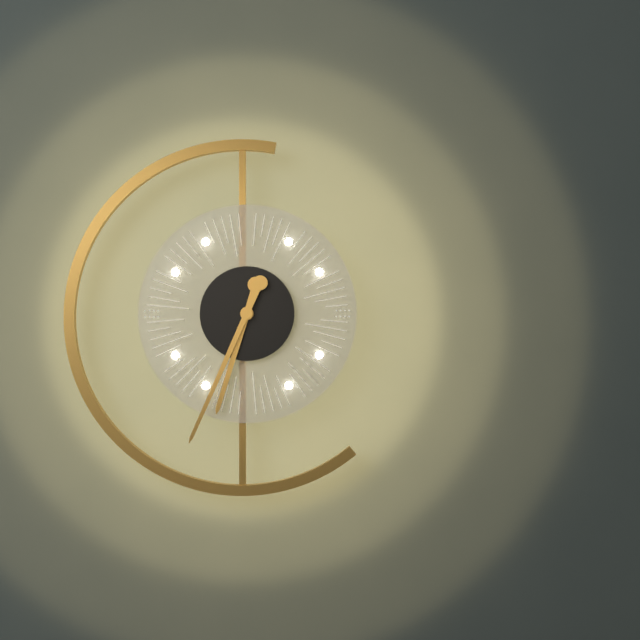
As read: 6h34
